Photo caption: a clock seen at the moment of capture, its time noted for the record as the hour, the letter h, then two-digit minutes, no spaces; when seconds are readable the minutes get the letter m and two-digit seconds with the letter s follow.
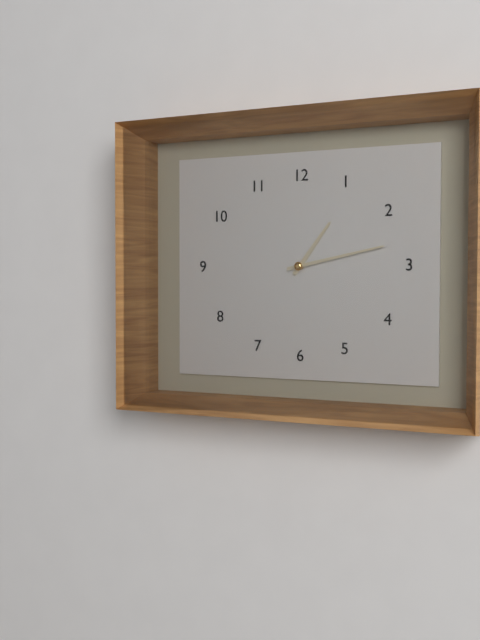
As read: 1h13
